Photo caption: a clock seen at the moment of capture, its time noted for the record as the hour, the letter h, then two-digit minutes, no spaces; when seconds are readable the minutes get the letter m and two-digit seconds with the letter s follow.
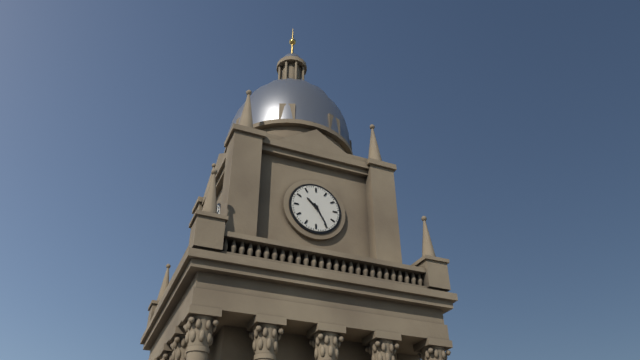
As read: 10h25
